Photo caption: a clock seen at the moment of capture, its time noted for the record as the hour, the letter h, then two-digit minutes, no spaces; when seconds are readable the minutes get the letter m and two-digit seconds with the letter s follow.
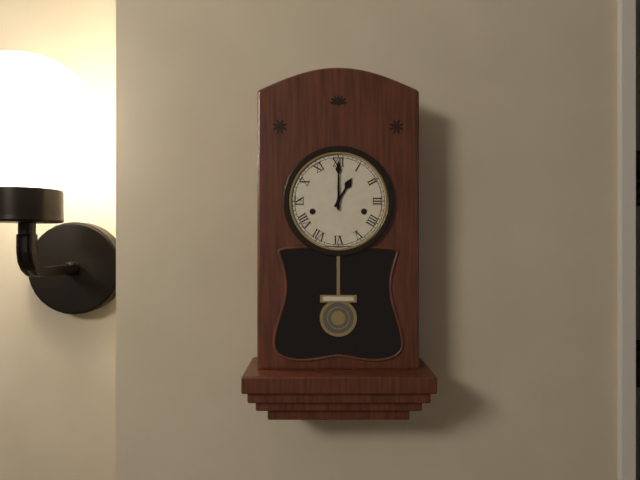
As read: 1h00
